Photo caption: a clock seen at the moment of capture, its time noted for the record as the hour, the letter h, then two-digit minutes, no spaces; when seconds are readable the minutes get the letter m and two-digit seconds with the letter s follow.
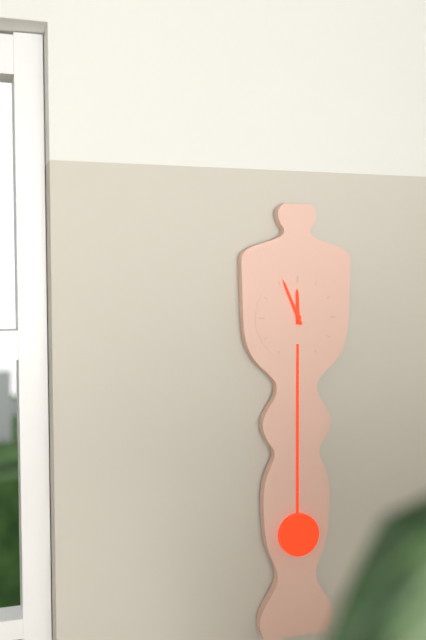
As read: 11h56
